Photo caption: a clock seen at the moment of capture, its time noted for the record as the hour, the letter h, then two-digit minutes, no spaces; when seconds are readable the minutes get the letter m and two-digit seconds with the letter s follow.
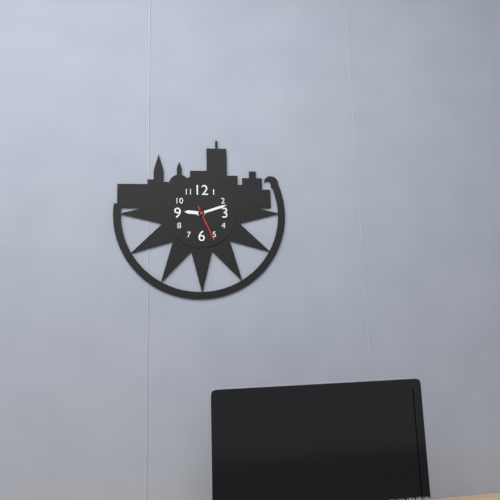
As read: 9h12
